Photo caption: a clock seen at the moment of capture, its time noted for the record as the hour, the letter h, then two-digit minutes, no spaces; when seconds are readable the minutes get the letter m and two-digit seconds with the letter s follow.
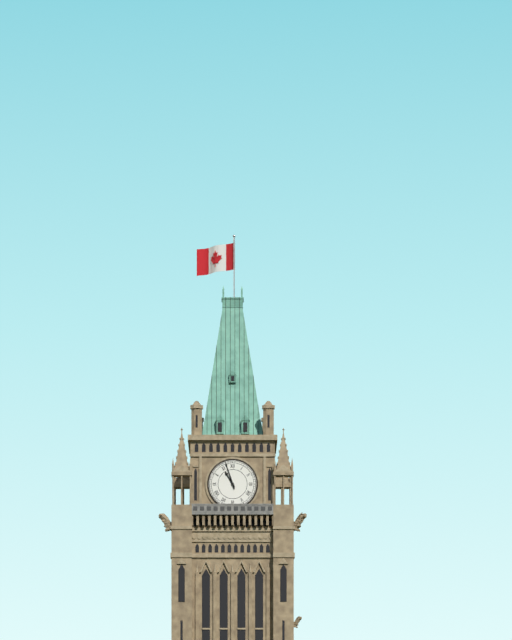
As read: 10h57
